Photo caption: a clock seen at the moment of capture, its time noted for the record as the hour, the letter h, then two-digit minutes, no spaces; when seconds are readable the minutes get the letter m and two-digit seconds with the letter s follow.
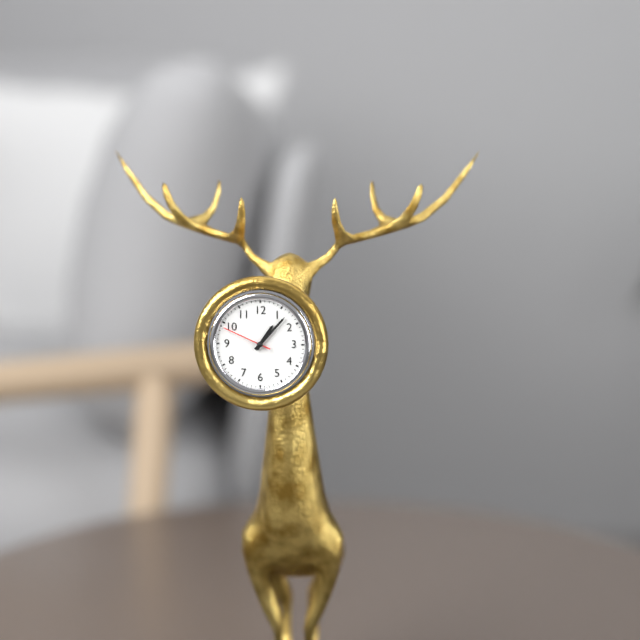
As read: 1h07
